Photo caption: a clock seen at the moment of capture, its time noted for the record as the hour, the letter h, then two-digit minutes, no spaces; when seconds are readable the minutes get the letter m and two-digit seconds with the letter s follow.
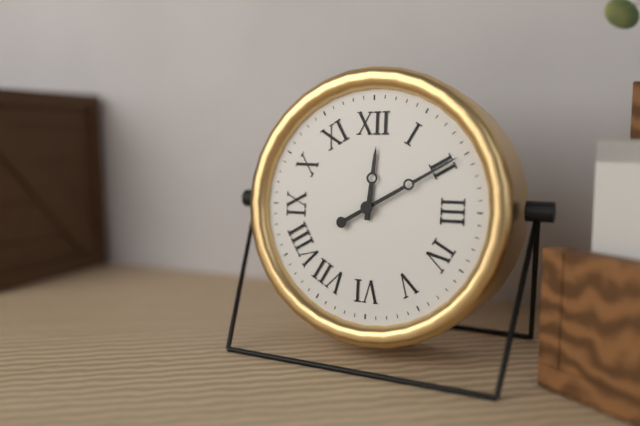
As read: 12h10
